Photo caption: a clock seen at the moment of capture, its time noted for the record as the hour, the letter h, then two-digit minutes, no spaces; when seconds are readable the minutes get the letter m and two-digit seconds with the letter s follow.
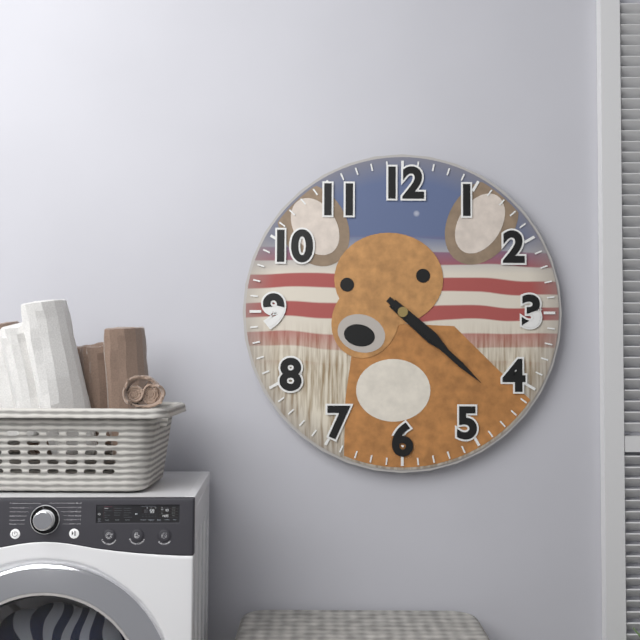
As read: 4h22
